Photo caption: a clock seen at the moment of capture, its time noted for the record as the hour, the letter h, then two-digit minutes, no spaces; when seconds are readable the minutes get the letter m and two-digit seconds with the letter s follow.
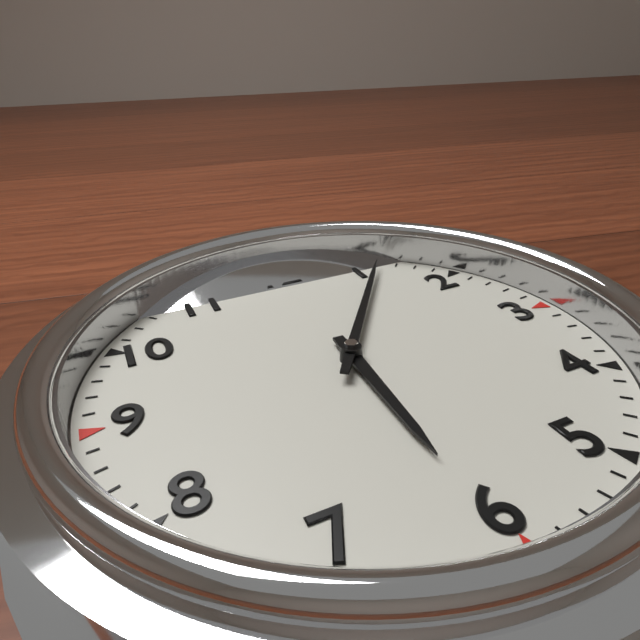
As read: 6h06
